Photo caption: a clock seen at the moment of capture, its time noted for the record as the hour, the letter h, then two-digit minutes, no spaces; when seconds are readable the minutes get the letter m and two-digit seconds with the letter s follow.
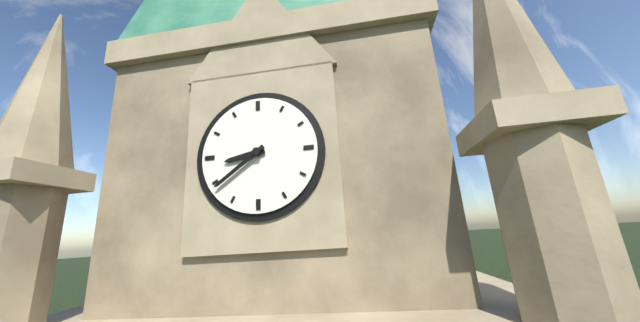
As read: 8h39
